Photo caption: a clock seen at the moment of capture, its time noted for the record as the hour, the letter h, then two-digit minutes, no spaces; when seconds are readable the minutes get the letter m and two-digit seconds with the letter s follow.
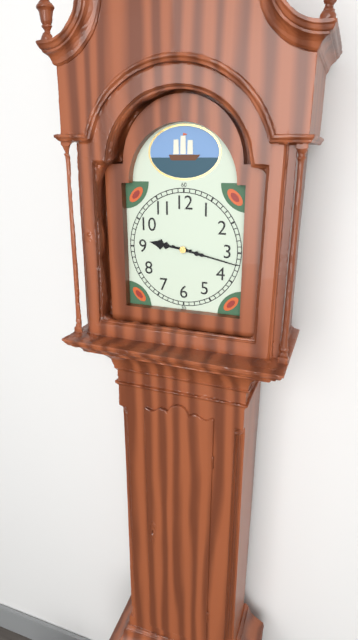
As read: 9h17
